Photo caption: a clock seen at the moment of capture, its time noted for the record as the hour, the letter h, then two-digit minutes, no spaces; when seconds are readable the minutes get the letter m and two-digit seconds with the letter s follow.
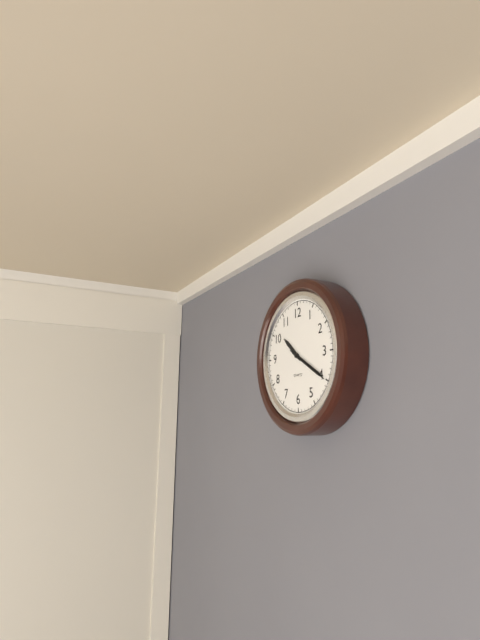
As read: 10h20
